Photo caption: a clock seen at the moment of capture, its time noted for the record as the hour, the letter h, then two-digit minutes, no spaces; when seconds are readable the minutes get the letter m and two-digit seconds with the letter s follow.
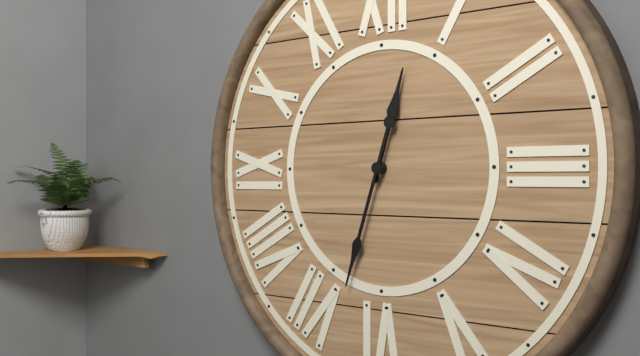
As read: 12h33
